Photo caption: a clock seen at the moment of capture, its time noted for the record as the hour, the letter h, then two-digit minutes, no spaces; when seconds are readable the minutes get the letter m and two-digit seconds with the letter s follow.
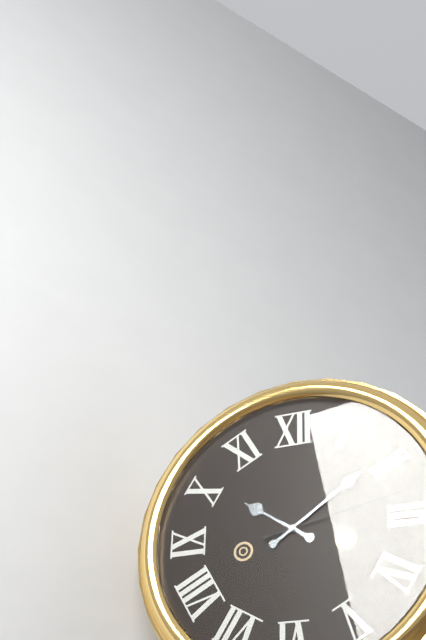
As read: 10h09m13s
